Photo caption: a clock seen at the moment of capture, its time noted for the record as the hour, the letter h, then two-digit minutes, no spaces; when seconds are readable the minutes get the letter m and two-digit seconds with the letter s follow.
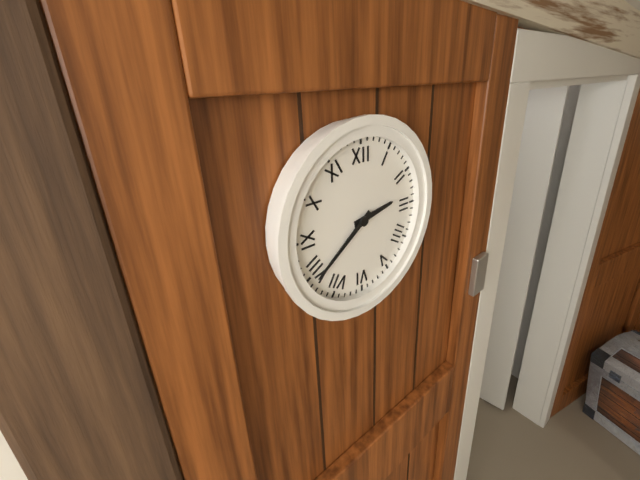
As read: 2h39
